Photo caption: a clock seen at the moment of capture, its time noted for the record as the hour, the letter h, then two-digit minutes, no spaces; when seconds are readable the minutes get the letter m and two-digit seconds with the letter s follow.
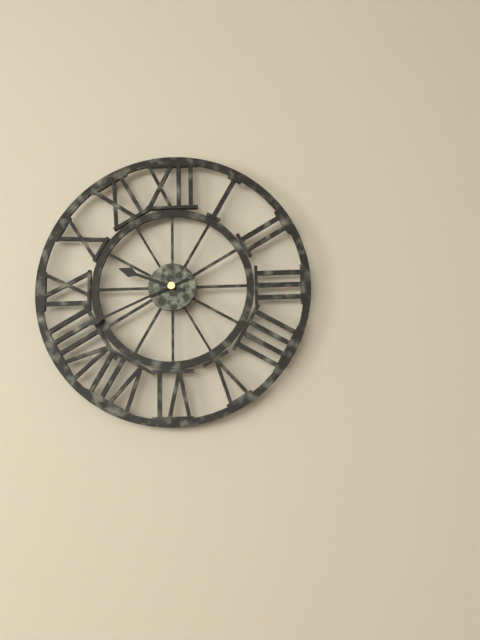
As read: 9h41
